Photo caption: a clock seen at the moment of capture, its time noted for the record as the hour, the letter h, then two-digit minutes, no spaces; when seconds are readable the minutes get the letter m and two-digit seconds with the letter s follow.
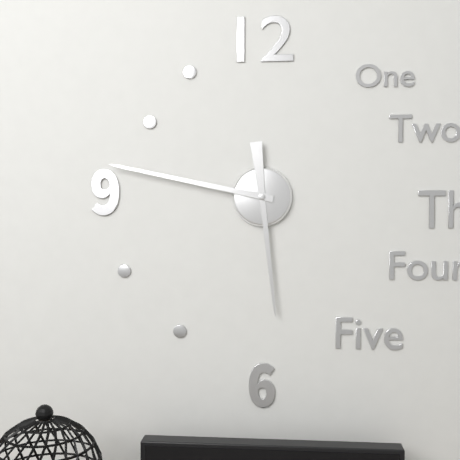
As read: 5h47
